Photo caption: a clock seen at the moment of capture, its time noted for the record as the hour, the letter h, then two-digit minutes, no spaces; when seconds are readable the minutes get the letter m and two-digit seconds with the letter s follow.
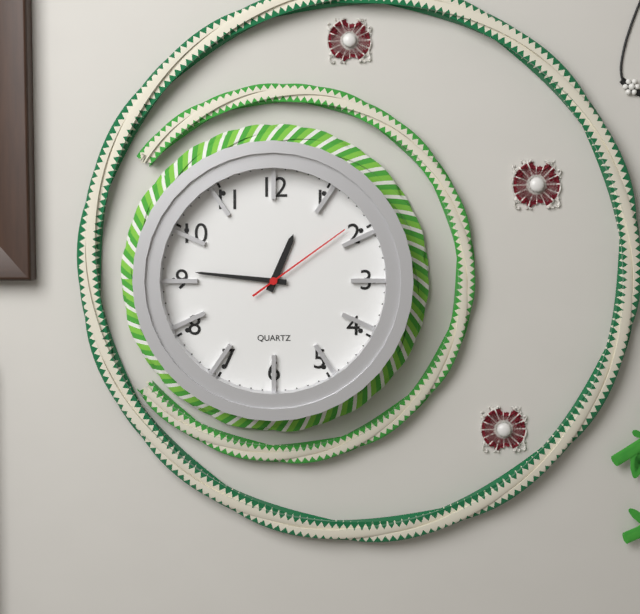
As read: 12h46m09s
